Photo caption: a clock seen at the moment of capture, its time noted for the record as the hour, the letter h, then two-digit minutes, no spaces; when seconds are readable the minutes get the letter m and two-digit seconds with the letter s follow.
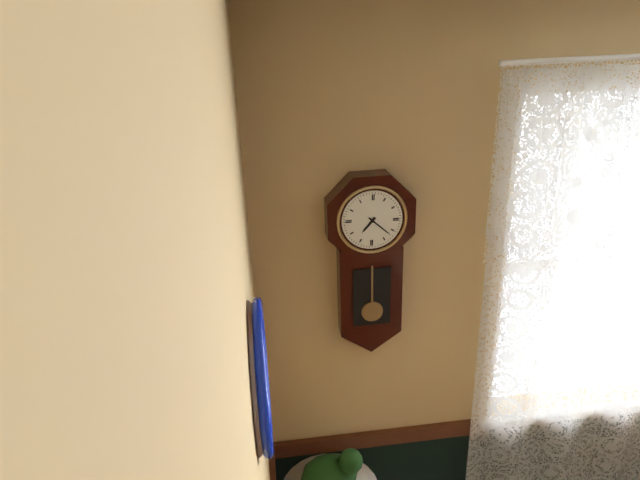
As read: 7h22
